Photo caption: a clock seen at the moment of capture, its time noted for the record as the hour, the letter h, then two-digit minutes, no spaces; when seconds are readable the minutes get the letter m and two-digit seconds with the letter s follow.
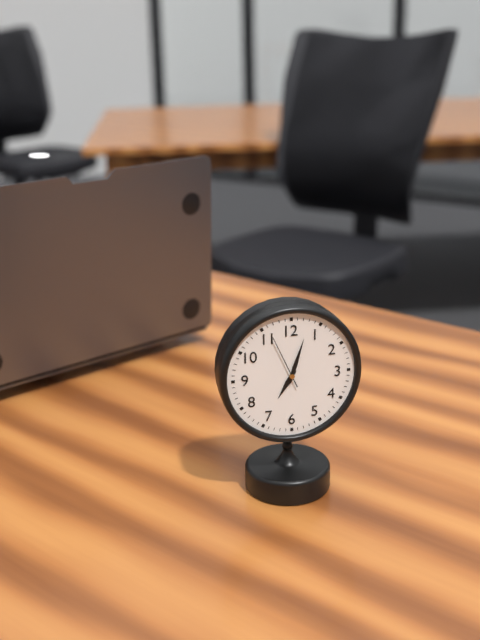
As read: 7h03m56s
